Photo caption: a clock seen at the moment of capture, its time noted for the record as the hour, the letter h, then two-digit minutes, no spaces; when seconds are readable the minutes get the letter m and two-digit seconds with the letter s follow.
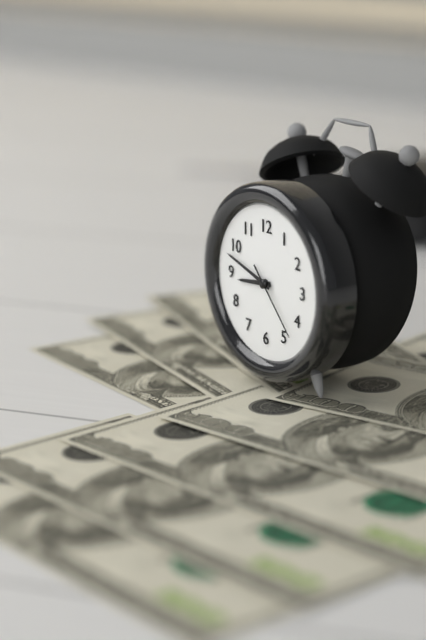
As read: 8h48m23s
